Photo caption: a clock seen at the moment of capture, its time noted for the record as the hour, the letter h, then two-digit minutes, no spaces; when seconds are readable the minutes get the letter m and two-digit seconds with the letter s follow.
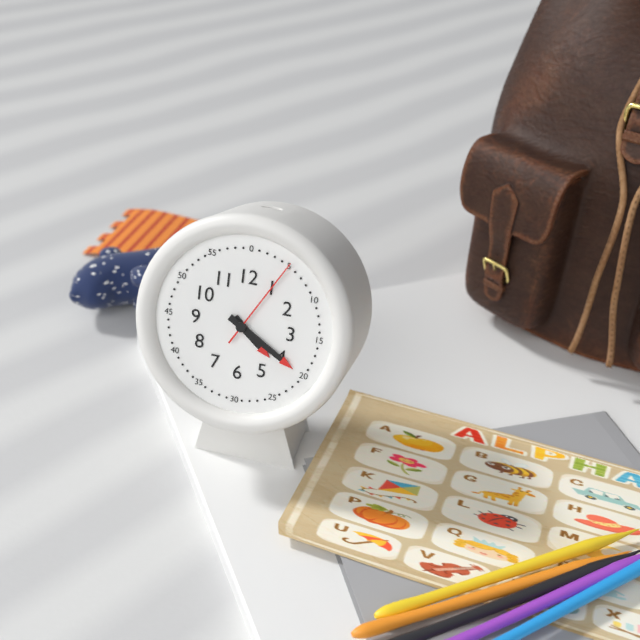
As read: 4h20m05s
